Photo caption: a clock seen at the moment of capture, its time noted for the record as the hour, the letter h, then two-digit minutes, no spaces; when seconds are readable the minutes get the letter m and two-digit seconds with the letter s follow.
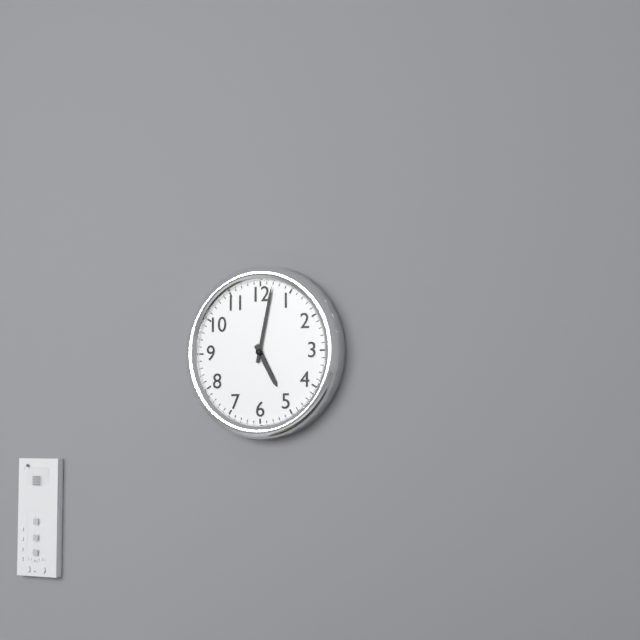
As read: 5h02
